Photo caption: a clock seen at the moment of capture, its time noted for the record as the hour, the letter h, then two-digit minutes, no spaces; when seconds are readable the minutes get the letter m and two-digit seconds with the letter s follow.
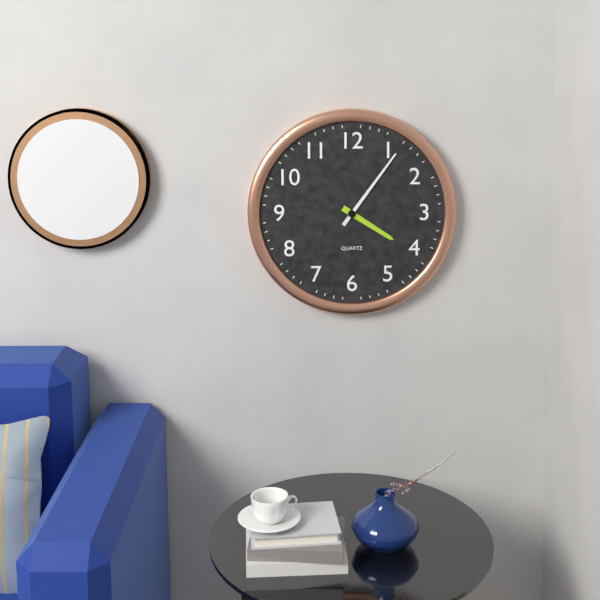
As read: 4h06
